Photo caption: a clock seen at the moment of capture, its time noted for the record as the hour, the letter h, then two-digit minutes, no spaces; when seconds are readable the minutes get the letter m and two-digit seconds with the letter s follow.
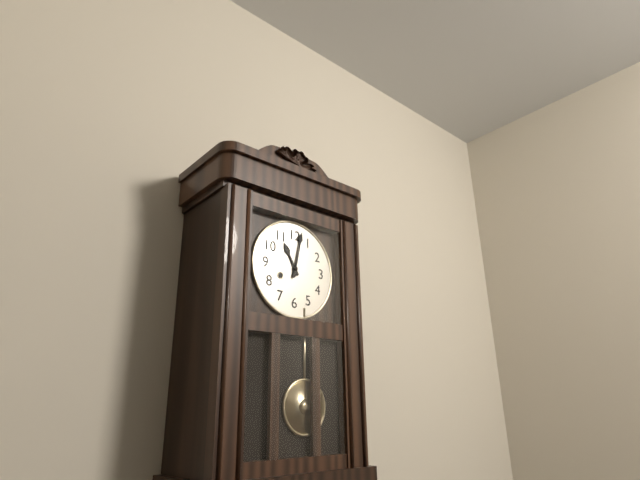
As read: 11h02
